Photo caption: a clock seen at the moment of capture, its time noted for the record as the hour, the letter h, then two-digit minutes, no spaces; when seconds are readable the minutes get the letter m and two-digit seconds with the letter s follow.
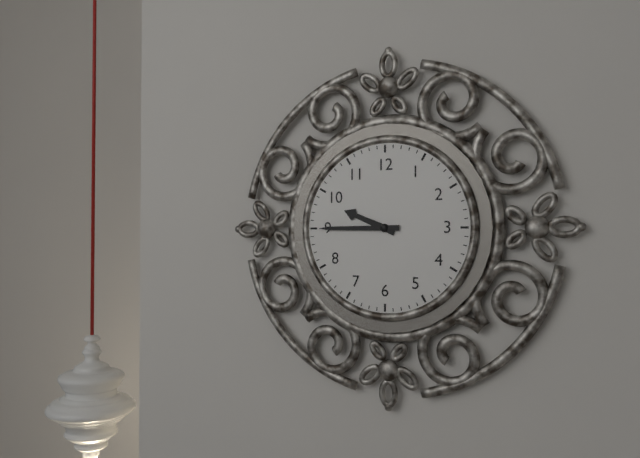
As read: 9h45
